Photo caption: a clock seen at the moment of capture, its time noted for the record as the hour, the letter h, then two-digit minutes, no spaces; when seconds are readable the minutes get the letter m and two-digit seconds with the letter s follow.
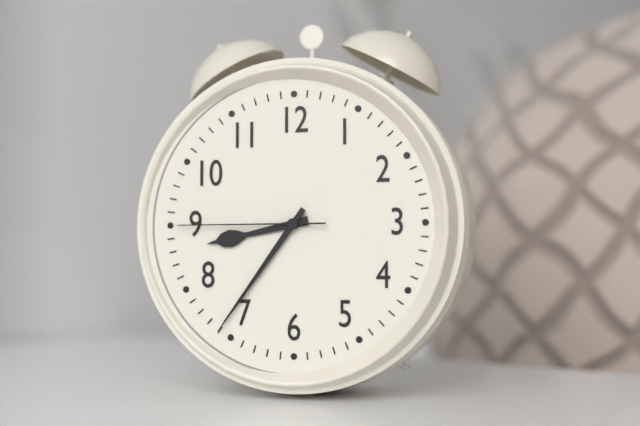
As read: 8h36m45s
